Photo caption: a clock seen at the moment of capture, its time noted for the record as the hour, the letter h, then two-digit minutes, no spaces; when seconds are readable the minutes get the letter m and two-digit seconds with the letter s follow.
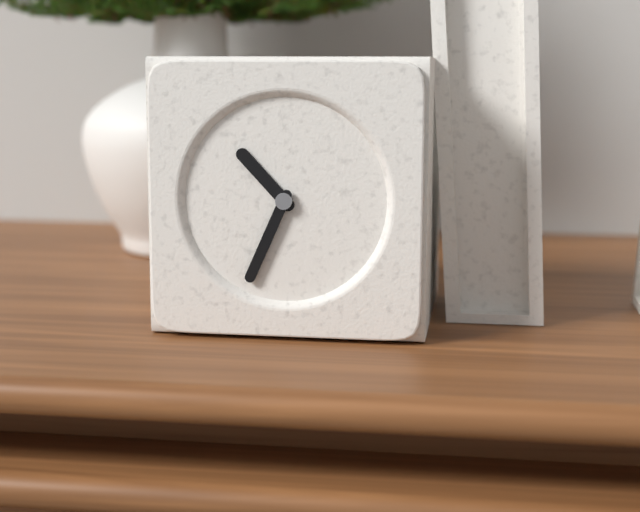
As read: 10h34
